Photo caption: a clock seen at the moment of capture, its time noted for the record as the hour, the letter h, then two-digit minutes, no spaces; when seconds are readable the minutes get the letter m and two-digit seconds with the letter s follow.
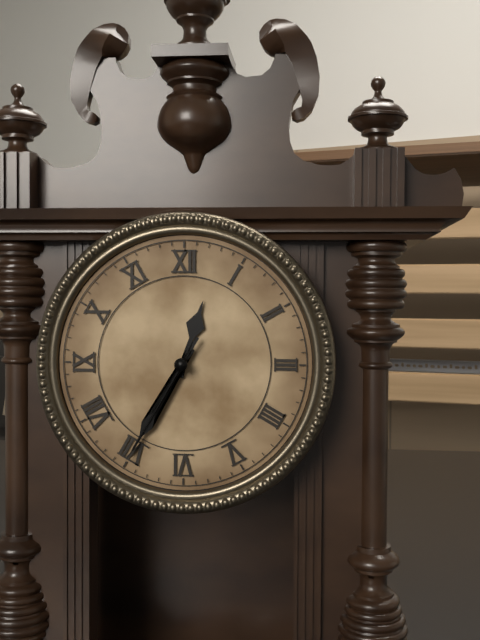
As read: 12h35m35s
